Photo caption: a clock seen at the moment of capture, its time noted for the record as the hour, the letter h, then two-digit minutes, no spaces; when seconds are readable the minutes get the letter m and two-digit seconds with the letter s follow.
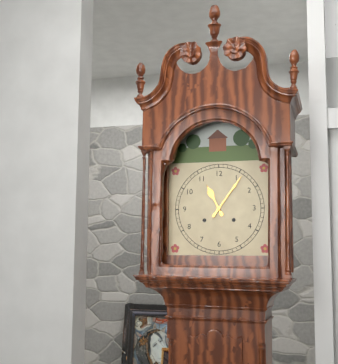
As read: 11h06
